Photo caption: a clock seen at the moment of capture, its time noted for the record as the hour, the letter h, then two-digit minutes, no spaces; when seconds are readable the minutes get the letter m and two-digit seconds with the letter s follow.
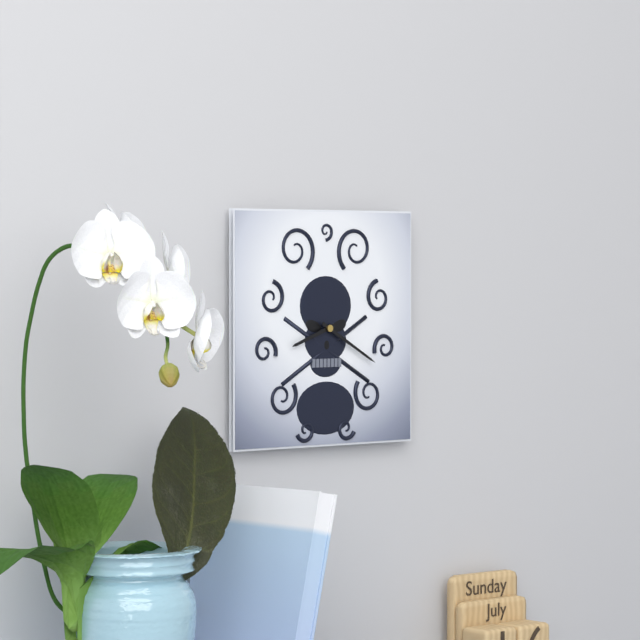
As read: 8h20
